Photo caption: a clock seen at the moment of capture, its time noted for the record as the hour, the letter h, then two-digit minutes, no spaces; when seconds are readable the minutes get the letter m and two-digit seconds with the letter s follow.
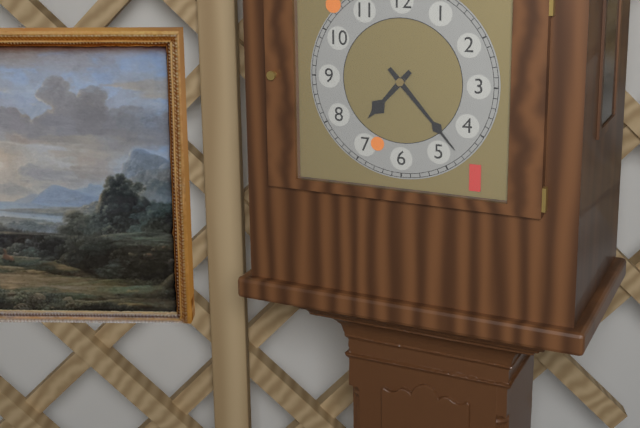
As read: 7h23
